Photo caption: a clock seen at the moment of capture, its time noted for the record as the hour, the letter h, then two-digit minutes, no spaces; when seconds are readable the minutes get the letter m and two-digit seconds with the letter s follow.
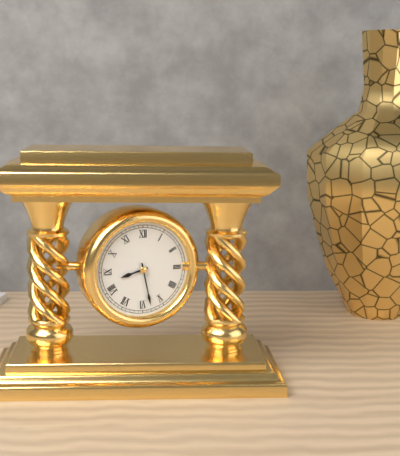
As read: 8h28
